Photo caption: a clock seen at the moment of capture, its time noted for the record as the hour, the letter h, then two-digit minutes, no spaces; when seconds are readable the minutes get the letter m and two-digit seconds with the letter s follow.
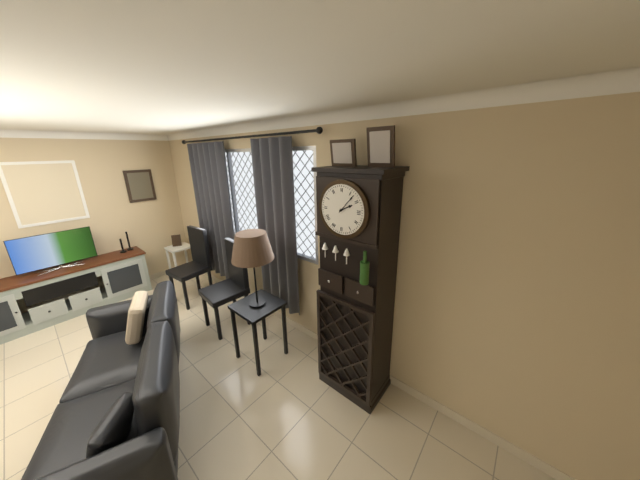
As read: 2h07
